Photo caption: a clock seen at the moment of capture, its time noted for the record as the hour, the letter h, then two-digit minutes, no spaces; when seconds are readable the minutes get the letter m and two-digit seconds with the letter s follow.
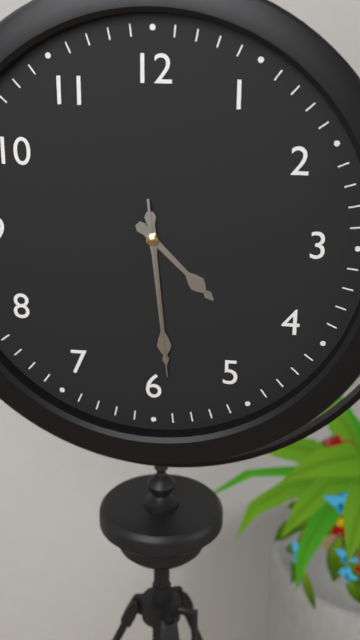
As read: 4h29m29s
